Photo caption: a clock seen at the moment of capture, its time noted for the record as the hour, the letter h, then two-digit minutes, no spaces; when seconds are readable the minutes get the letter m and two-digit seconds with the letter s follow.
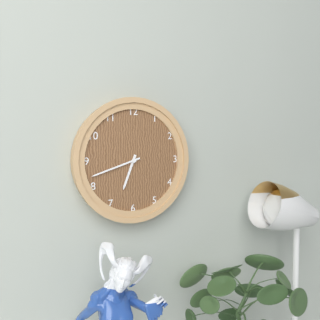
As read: 6h42
